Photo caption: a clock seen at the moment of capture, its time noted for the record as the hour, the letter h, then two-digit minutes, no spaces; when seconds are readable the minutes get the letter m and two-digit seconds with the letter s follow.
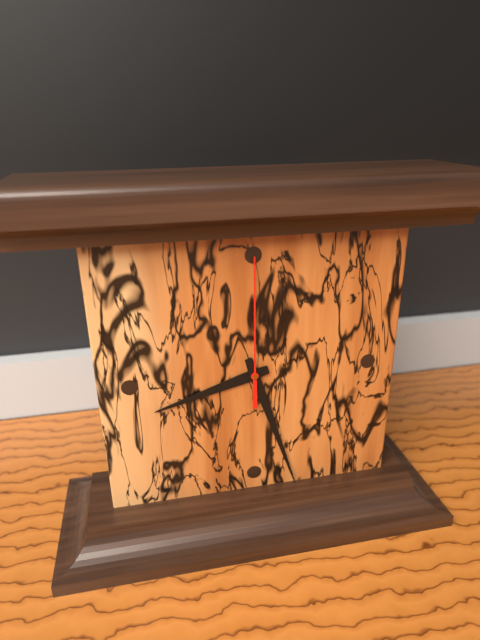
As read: 8h27m00s
